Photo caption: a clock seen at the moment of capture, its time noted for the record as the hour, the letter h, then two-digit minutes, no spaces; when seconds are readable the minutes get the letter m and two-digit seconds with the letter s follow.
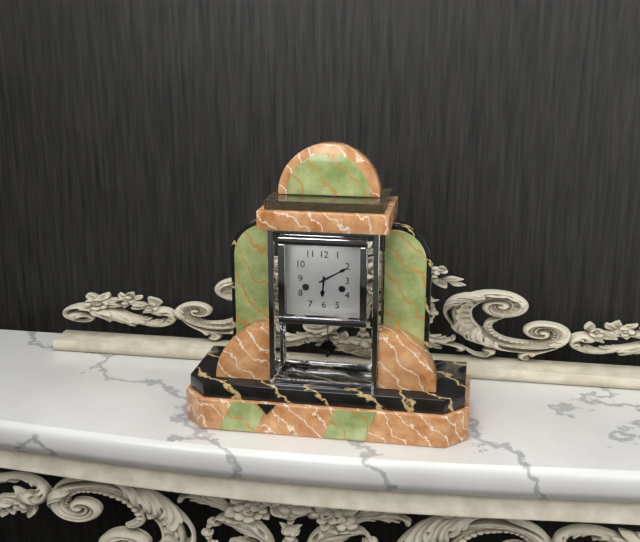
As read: 6h10
